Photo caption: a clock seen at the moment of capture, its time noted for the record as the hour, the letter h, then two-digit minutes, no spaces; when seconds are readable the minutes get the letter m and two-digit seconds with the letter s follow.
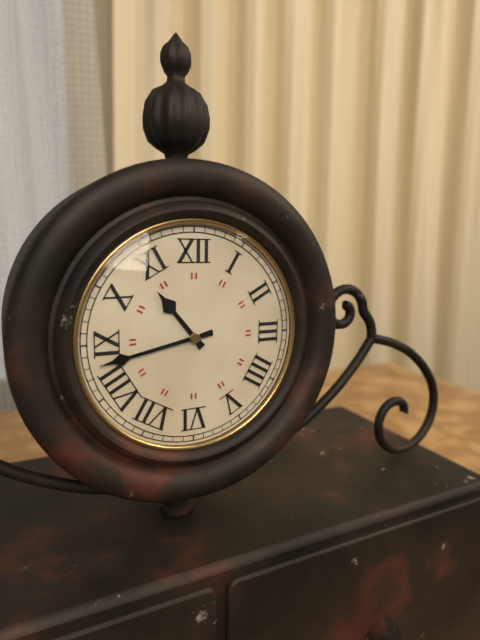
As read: 10h43
